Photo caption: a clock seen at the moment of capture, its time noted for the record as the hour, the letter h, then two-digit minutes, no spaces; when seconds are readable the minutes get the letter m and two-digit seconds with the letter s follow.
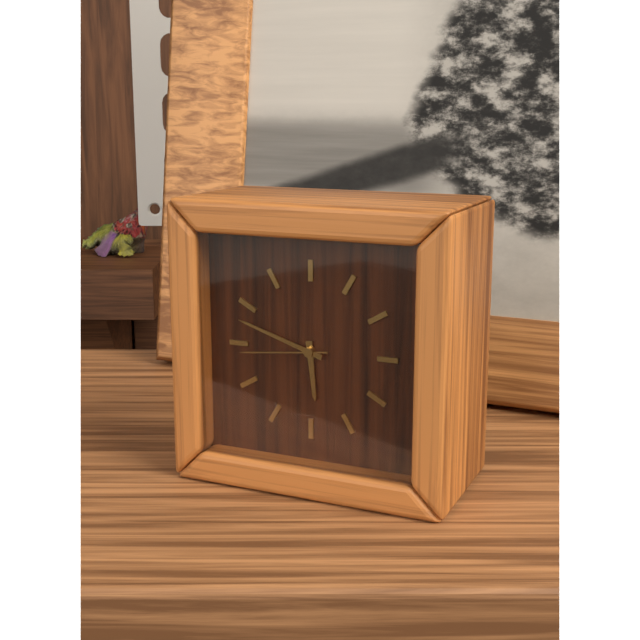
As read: 5h48m44s
